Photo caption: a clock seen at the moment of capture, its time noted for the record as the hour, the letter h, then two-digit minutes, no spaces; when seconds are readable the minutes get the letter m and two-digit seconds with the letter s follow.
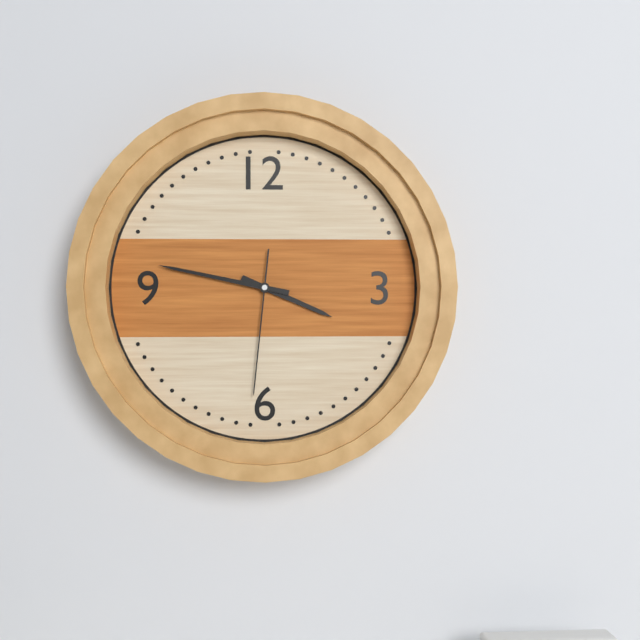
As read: 3h47m31s
